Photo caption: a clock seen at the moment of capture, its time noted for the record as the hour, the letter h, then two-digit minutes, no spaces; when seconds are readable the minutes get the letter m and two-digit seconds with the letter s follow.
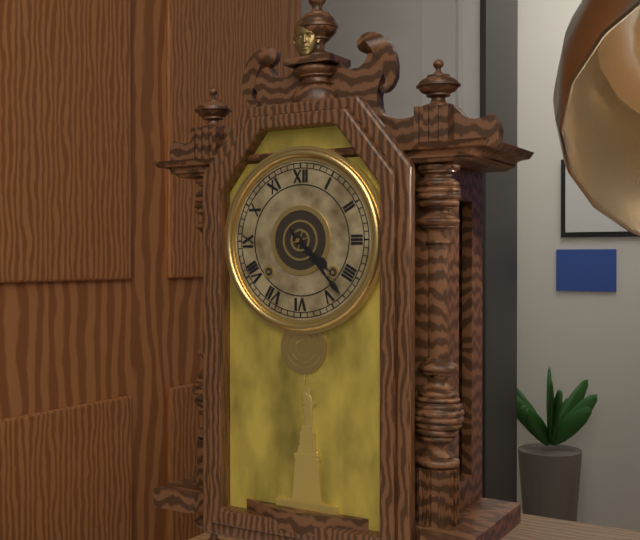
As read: 4h23
